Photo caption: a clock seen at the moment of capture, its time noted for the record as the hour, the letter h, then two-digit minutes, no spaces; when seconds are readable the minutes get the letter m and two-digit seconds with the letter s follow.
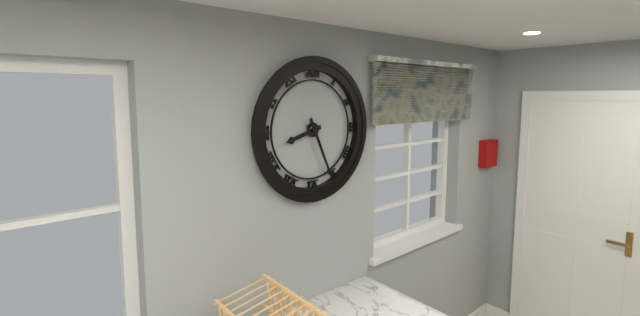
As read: 8h26
